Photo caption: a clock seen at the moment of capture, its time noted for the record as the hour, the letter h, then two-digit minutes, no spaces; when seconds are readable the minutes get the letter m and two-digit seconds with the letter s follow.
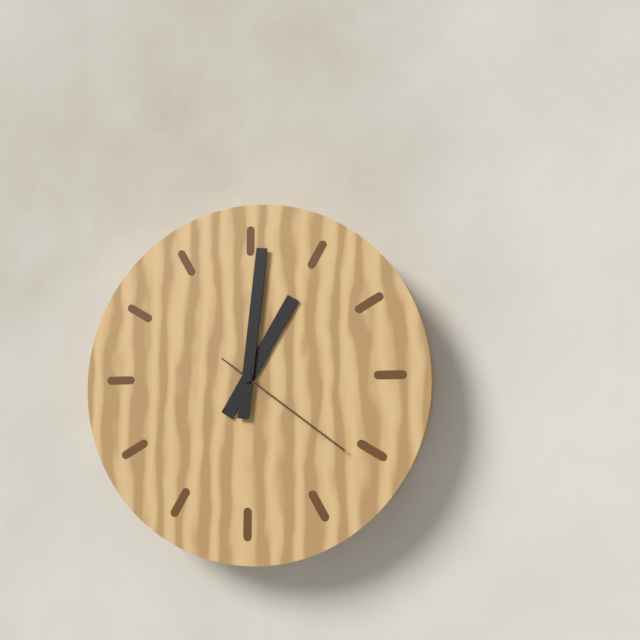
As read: 1h01m21s
